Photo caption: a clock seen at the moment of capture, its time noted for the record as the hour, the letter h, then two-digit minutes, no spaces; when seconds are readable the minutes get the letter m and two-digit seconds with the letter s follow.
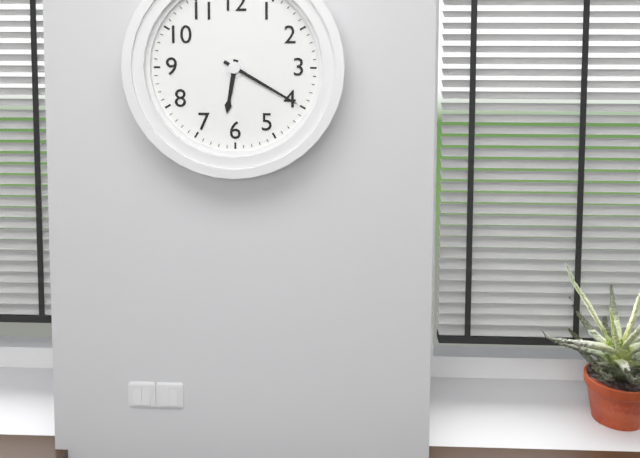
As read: 6h20
